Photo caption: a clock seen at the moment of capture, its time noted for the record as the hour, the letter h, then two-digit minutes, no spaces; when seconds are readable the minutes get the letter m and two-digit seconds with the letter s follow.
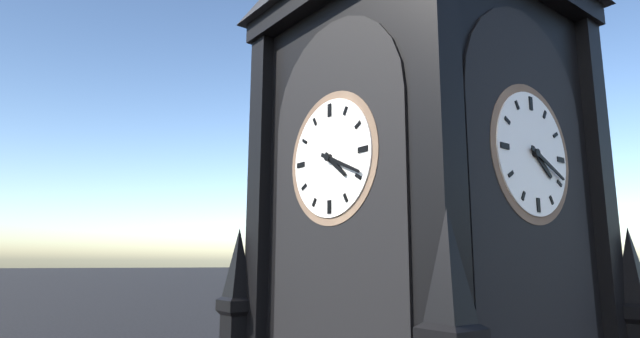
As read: 4h19
